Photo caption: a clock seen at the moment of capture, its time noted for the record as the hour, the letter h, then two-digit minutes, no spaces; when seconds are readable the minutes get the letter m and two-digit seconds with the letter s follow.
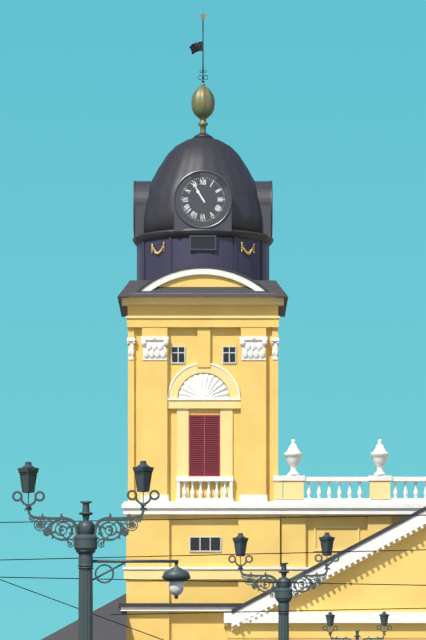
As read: 10h55
